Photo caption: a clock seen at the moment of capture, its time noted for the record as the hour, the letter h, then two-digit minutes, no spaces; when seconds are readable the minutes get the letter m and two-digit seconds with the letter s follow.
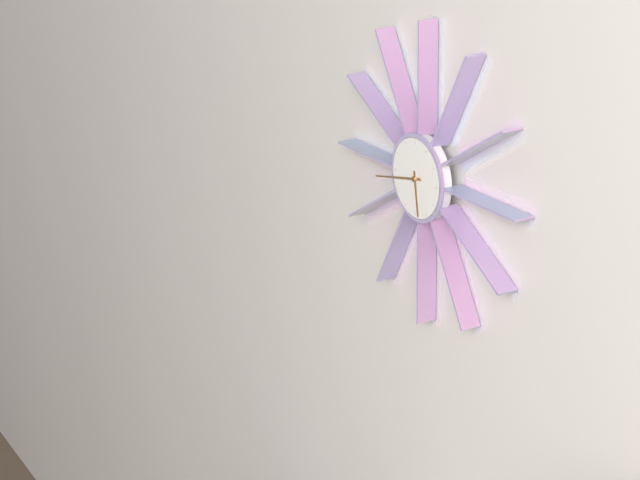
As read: 5h43
